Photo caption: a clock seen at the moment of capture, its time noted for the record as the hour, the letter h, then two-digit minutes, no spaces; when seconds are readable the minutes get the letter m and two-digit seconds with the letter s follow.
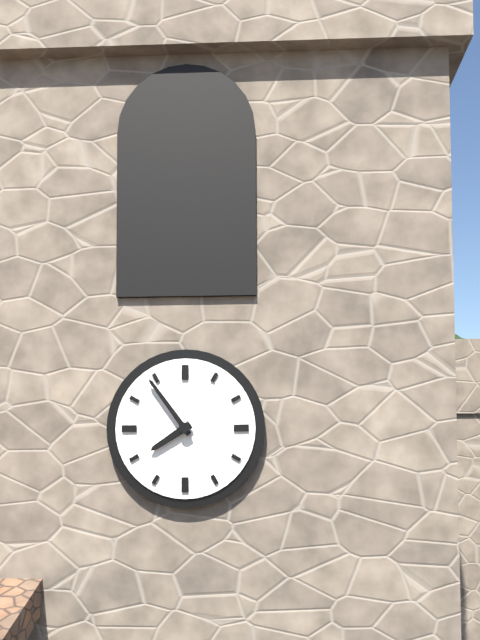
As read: 7h54
